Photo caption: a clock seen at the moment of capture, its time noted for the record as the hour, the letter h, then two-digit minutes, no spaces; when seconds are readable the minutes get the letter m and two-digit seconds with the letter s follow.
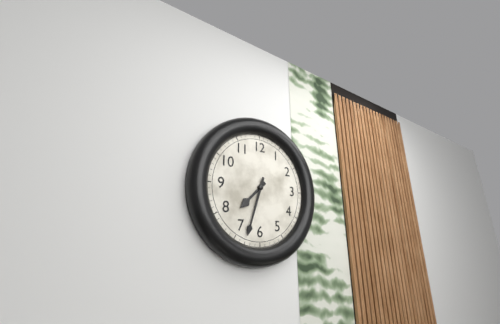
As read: 7h33
